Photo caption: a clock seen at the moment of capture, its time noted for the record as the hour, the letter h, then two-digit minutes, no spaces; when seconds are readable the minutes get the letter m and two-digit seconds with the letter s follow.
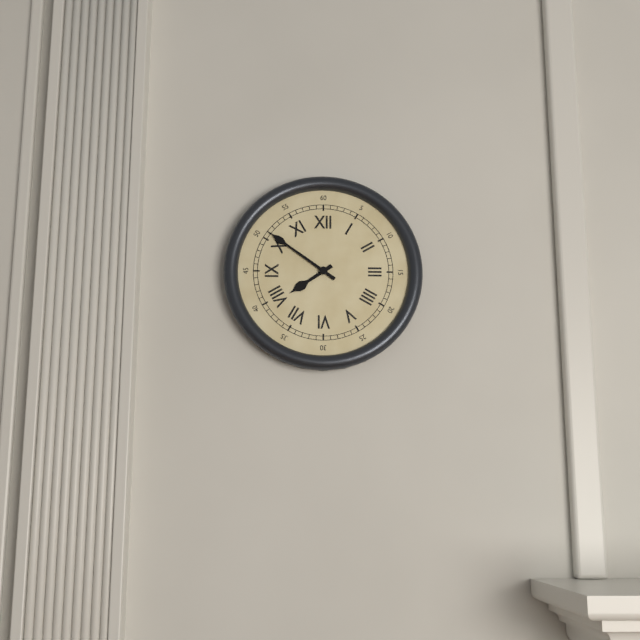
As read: 7h51
